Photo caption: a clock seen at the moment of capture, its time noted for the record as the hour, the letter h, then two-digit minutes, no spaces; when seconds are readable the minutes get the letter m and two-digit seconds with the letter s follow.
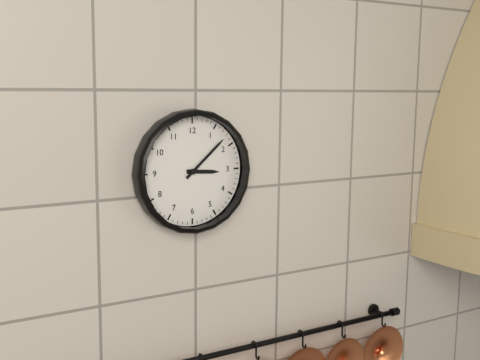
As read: 3h08
